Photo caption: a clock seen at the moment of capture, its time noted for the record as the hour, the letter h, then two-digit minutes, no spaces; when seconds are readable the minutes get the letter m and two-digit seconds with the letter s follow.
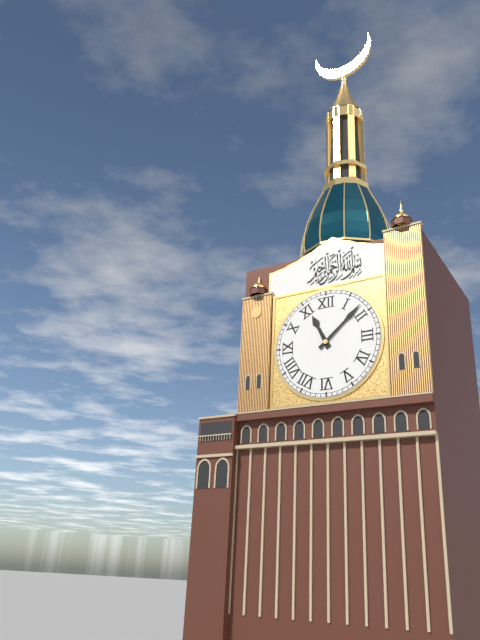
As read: 11h08
